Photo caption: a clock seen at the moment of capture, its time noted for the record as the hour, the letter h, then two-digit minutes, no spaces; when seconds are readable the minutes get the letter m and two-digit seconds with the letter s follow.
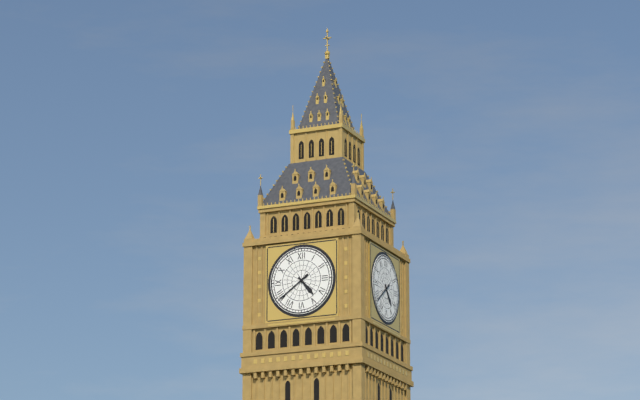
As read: 4h39
